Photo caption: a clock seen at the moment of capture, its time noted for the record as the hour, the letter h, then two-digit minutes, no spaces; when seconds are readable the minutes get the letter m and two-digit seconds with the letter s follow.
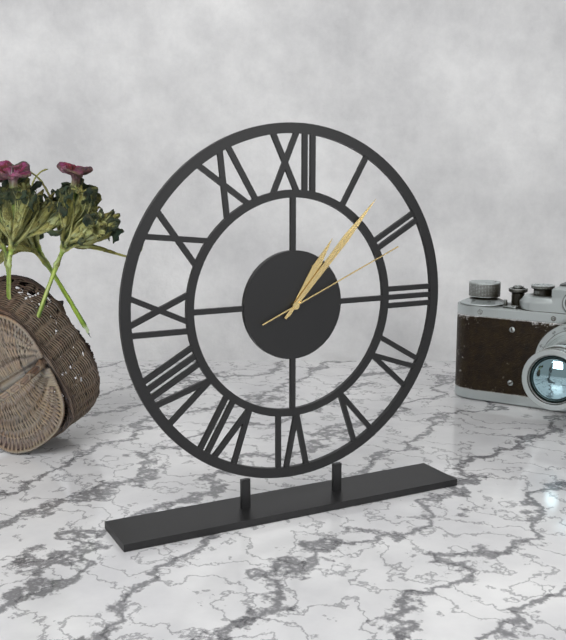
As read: 1h07m11s
